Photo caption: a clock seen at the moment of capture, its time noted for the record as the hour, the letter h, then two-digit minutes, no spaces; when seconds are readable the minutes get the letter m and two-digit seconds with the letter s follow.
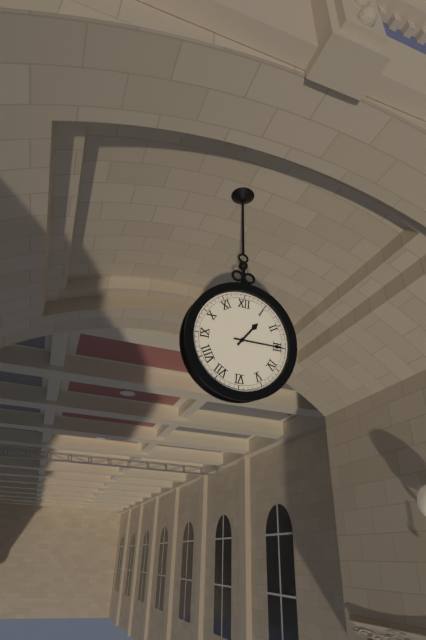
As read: 1h15
